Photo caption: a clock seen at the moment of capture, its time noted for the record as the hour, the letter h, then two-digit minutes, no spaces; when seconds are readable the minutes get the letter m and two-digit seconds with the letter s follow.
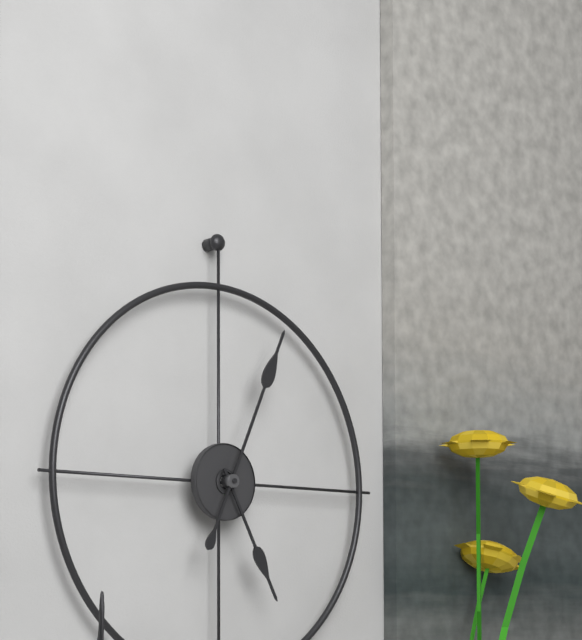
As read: 5h04
